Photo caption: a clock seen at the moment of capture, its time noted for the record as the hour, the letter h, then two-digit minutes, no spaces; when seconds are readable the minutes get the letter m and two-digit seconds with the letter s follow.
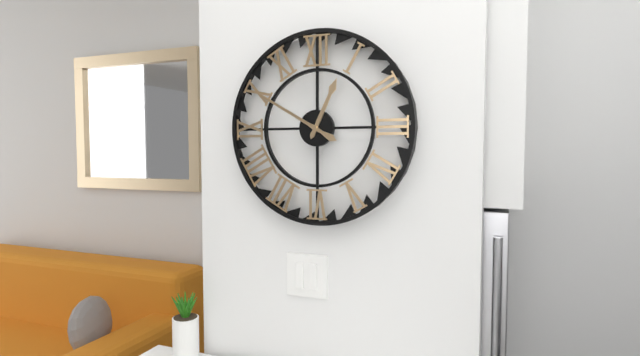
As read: 12h50
